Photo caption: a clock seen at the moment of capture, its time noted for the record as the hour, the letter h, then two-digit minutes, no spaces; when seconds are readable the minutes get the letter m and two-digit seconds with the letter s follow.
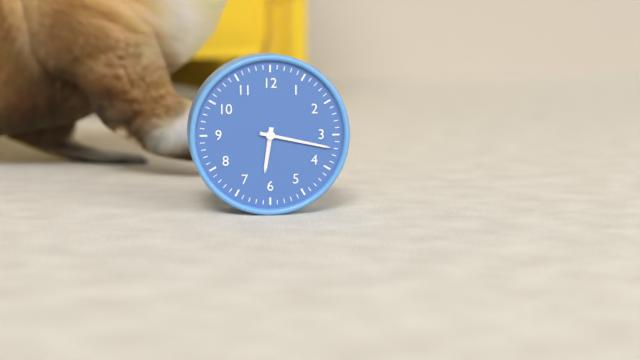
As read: 6h17
